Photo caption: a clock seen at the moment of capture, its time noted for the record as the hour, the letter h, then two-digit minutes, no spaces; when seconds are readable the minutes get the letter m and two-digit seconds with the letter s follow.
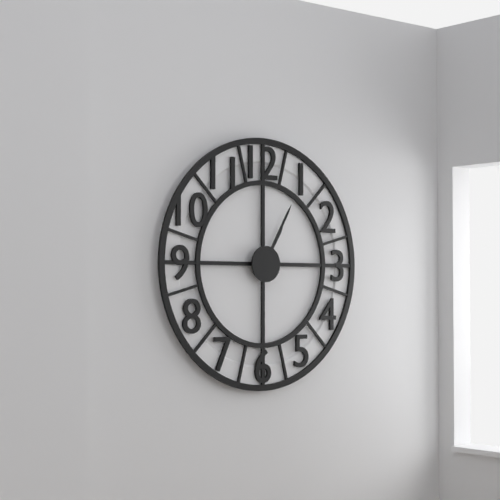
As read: 1h05
